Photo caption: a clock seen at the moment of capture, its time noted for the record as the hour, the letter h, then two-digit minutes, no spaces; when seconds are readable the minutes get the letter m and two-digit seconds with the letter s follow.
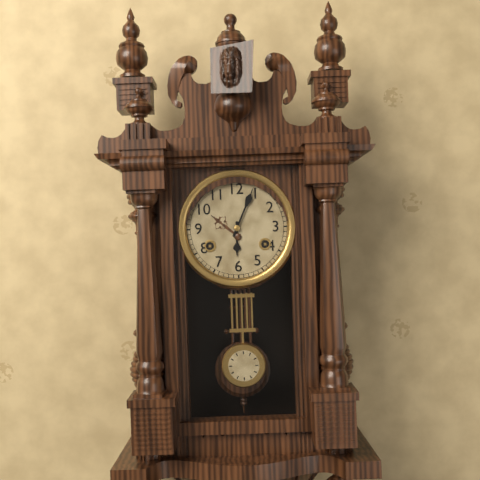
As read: 6h04
